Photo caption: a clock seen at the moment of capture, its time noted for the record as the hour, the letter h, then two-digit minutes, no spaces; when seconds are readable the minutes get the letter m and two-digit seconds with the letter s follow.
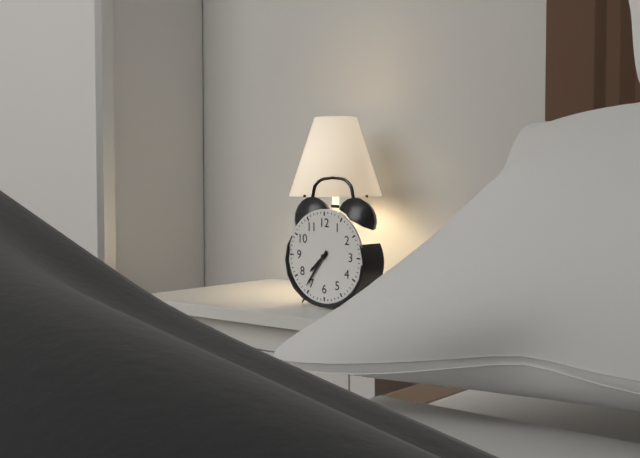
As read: 7h36
